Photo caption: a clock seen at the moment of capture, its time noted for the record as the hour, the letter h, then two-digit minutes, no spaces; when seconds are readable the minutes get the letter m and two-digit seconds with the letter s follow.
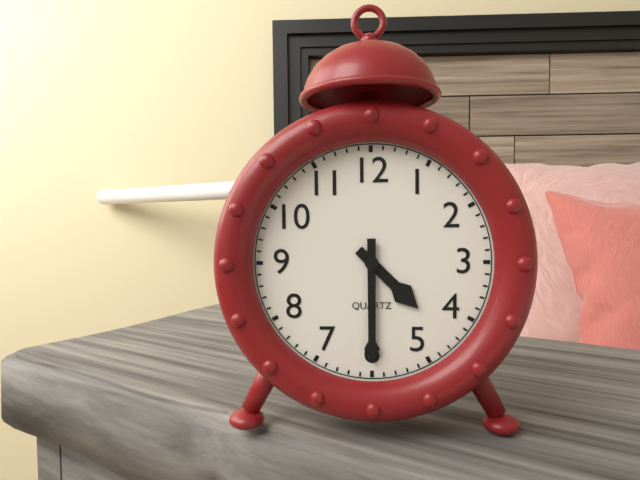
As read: 4h30
